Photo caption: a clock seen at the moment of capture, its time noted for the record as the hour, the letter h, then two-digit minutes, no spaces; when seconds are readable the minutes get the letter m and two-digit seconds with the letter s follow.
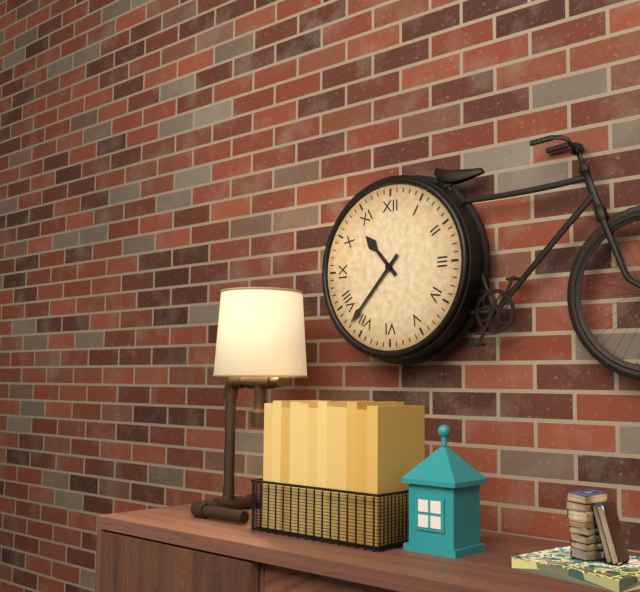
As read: 10h37
